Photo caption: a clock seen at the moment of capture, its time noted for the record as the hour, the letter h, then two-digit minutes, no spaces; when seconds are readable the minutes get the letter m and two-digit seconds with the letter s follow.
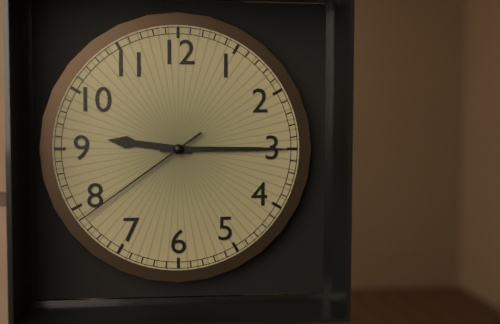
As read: 9h15m39s
